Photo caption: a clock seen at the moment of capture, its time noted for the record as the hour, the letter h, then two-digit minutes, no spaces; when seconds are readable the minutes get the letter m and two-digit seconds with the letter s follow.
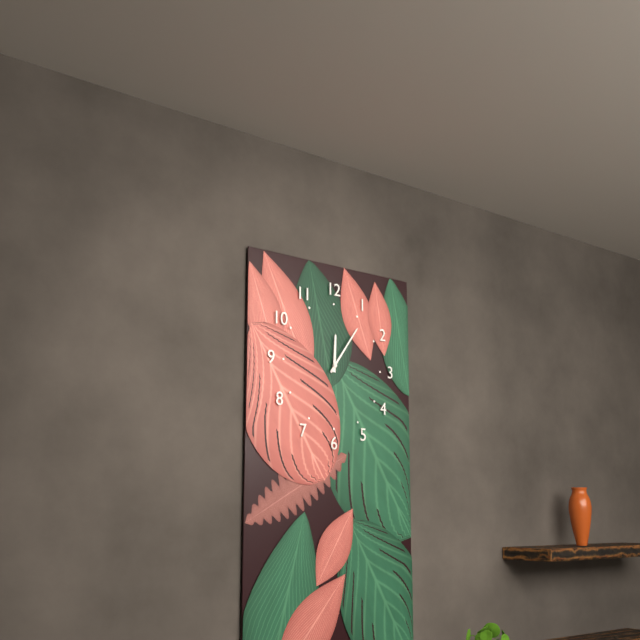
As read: 12h06
